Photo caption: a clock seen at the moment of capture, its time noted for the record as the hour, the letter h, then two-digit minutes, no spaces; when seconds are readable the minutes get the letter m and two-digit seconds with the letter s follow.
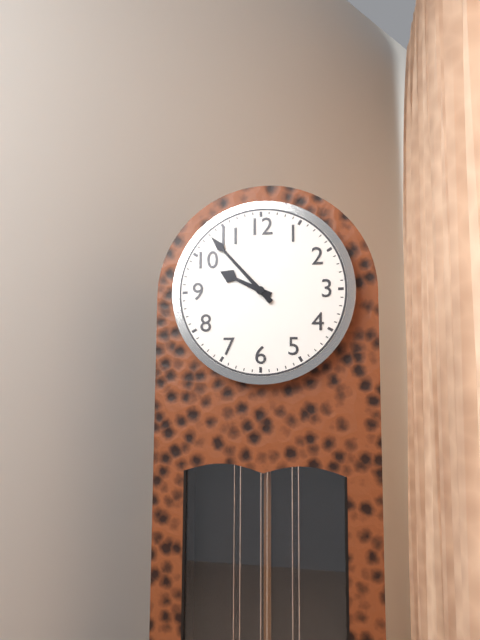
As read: 9h53
